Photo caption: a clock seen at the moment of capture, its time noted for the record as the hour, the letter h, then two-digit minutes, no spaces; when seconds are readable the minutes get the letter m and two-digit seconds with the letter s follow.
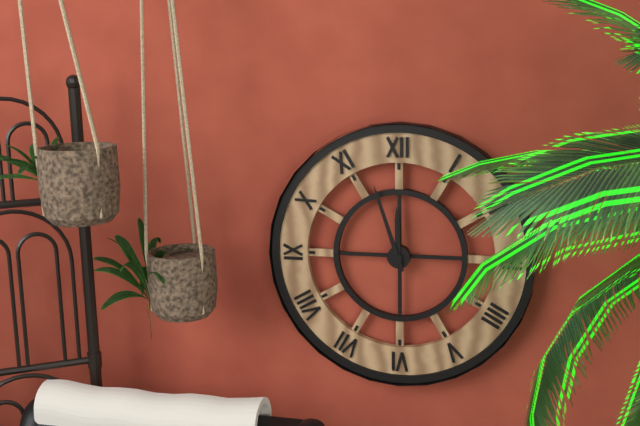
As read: 11h57
